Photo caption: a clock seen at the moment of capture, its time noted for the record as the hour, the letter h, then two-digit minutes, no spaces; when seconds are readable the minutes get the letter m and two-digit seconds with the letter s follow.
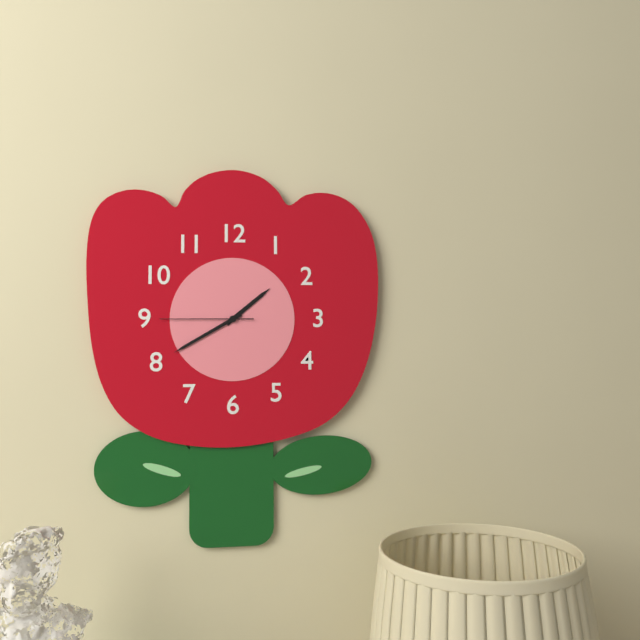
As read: 1h40m45s
